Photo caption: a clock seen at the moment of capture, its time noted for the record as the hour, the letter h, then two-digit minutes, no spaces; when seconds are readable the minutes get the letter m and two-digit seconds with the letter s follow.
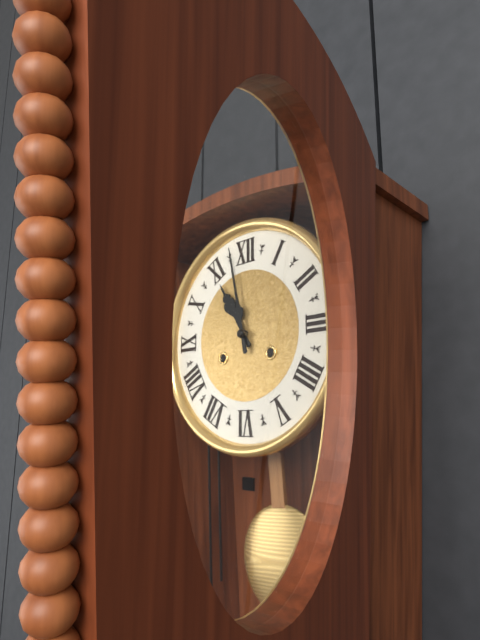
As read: 10h58
